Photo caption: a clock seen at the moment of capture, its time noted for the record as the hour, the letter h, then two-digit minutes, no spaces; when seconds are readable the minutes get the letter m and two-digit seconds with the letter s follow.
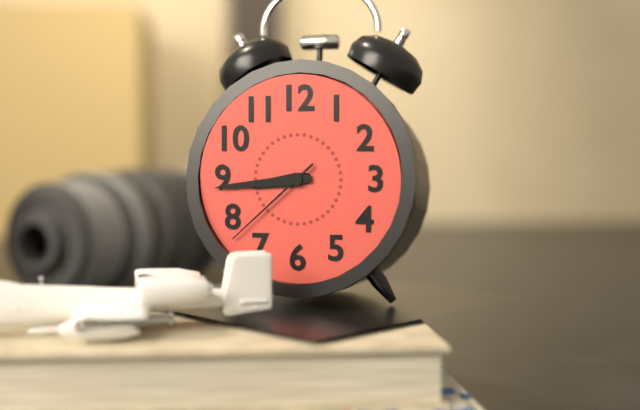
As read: 8h44m38s
